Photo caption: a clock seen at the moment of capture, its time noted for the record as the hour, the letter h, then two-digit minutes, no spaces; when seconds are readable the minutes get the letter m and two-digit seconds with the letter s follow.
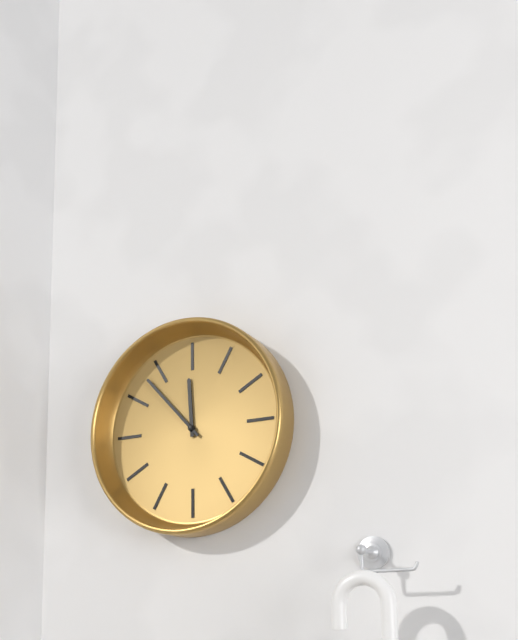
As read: 11h53
